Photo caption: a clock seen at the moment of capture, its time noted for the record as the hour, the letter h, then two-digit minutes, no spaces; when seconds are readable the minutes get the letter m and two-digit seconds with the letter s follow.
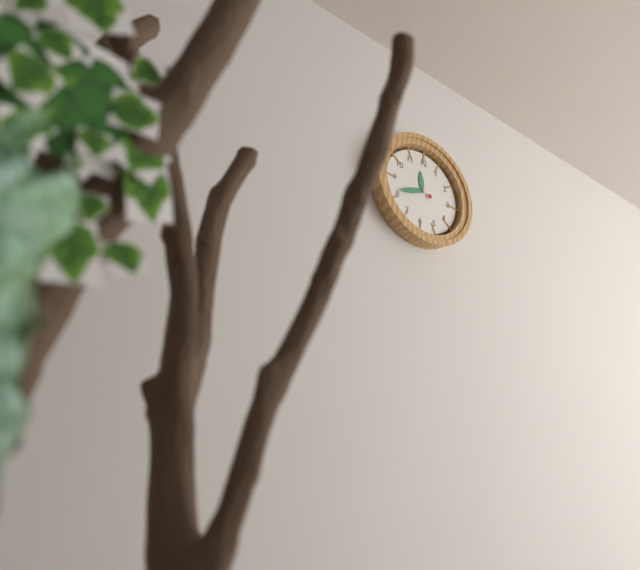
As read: 11h41
